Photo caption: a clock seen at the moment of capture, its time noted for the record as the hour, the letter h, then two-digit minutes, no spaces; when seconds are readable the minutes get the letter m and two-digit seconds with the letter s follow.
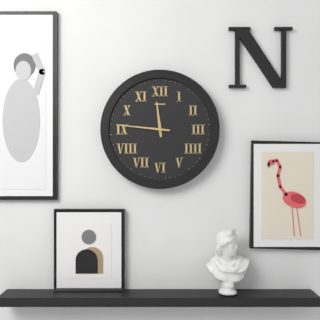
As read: 11h46
